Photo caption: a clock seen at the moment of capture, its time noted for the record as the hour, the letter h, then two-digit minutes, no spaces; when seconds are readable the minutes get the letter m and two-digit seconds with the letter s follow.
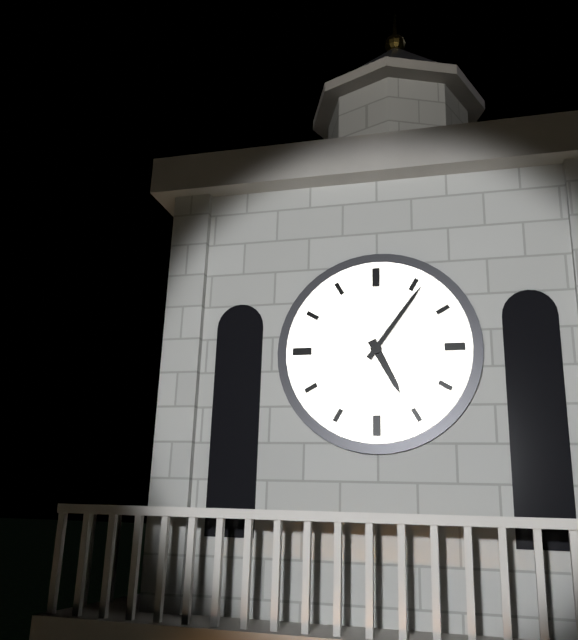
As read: 5h06
